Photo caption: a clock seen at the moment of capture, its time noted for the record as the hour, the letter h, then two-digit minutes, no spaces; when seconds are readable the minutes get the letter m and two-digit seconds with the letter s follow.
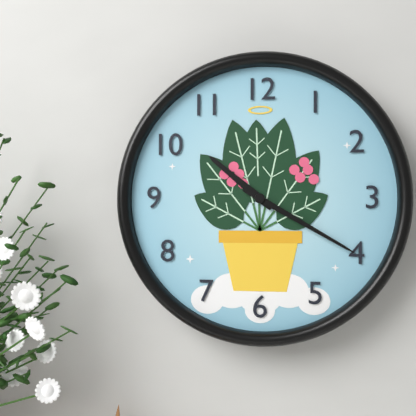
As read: 10h20
